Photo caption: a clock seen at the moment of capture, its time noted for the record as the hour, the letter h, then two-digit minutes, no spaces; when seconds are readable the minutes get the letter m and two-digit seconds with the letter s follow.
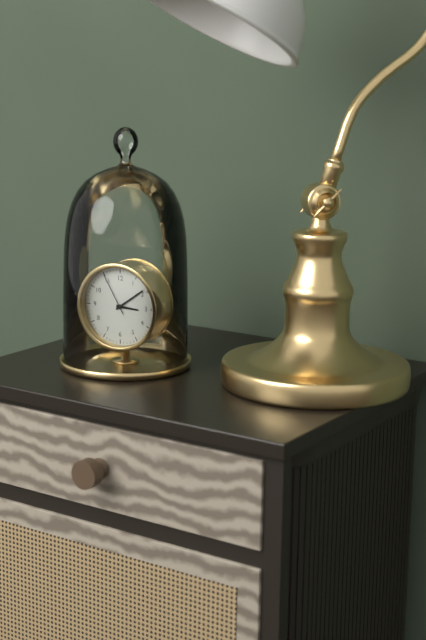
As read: 3h09
